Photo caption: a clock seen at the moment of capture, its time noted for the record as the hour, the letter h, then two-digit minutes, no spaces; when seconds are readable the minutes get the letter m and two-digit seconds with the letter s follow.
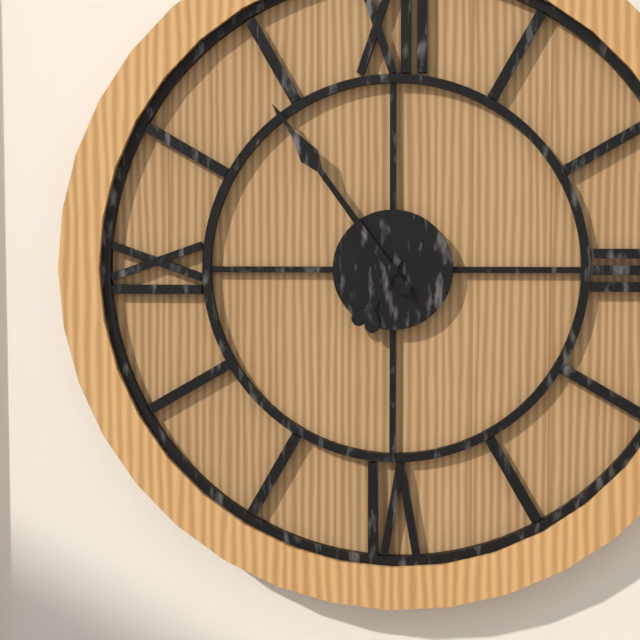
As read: 6h54
